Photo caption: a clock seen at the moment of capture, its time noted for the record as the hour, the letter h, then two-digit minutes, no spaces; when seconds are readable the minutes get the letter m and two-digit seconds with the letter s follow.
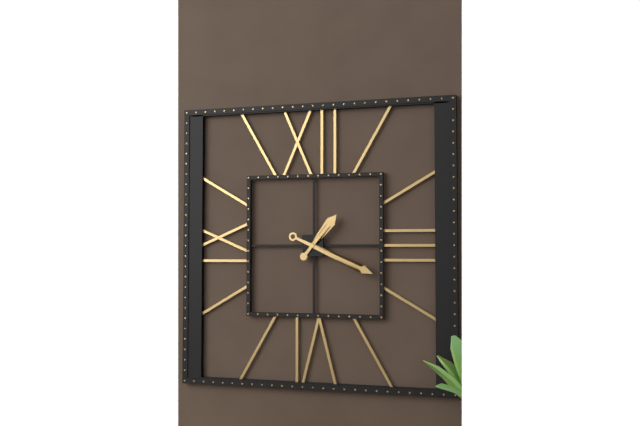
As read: 1h19
